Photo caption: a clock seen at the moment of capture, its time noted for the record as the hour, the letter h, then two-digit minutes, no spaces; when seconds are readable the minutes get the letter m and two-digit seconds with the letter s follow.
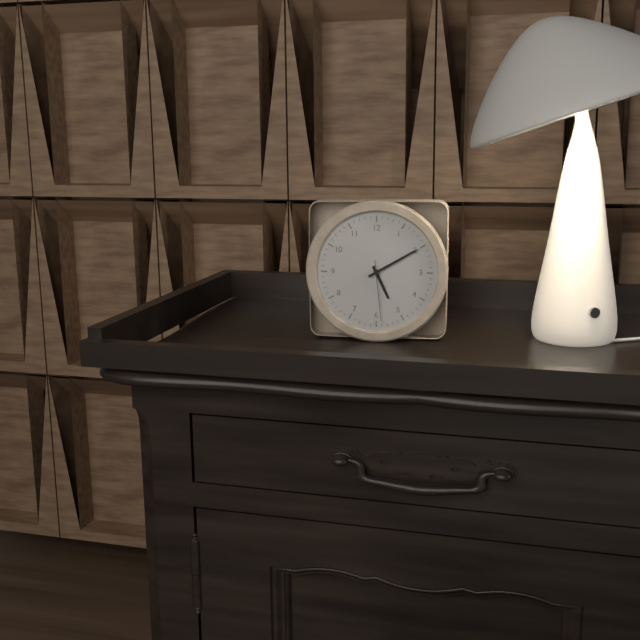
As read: 5h10m29s
